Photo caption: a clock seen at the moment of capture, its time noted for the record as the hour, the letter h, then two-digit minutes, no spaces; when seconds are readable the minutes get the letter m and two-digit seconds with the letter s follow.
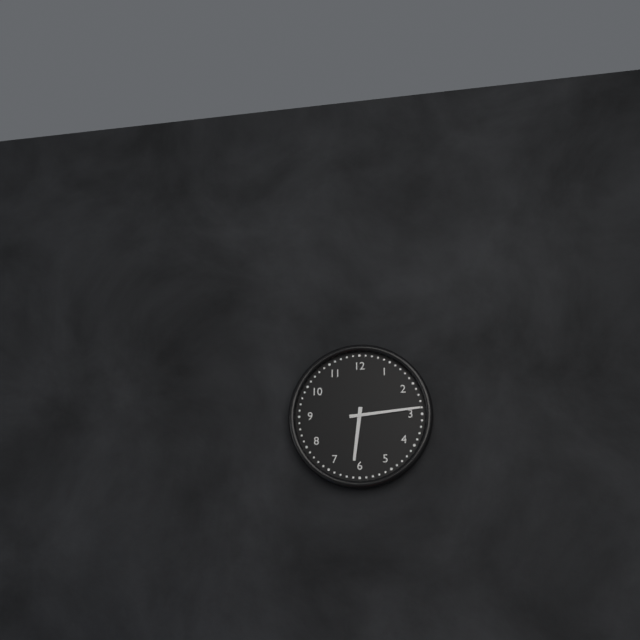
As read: 6h14
